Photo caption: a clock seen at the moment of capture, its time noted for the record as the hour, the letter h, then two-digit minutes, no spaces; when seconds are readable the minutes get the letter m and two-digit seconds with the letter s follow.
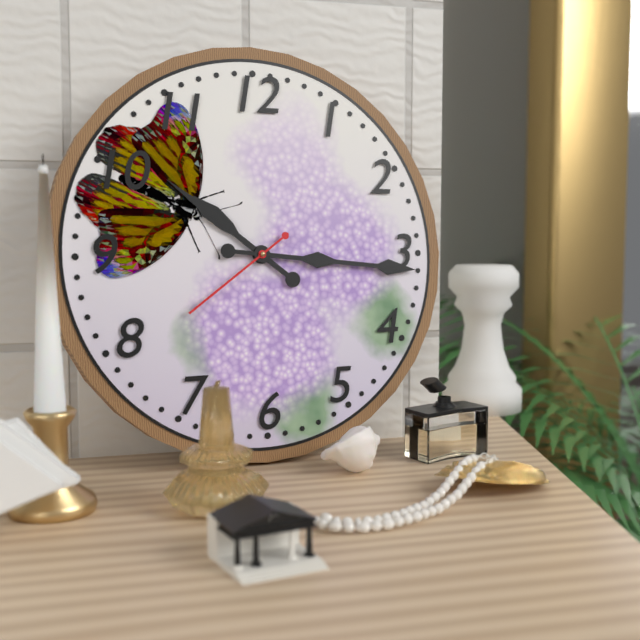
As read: 10h16m39s
